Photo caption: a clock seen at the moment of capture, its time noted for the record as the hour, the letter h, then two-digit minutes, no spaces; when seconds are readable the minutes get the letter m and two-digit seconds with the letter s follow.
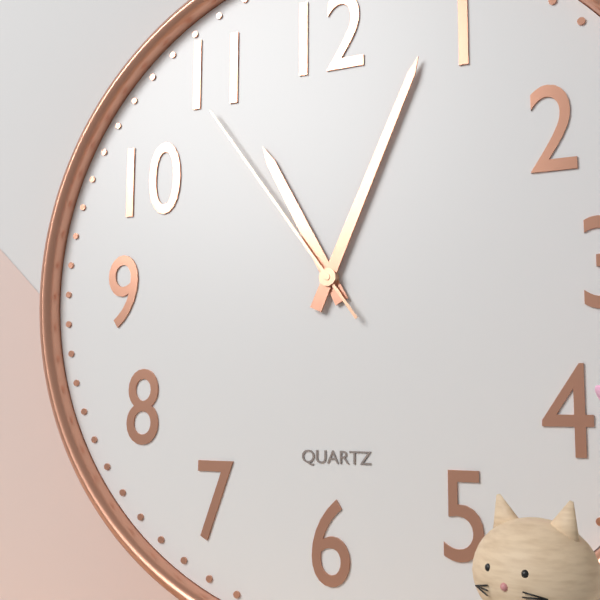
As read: 11h04m54s
